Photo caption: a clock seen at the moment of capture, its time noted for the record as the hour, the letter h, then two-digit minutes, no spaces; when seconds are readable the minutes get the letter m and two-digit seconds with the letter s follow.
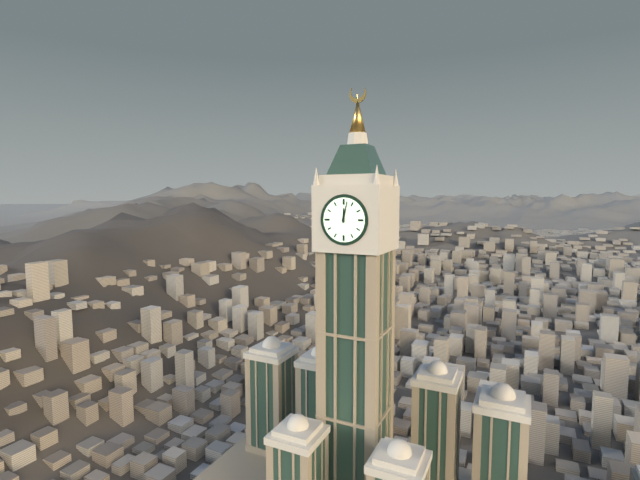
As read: 12h02
